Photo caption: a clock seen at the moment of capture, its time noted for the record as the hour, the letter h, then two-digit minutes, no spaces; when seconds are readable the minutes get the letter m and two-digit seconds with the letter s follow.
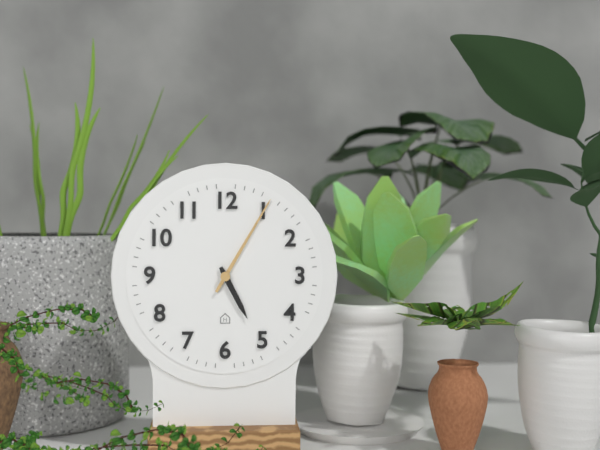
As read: 5h05
